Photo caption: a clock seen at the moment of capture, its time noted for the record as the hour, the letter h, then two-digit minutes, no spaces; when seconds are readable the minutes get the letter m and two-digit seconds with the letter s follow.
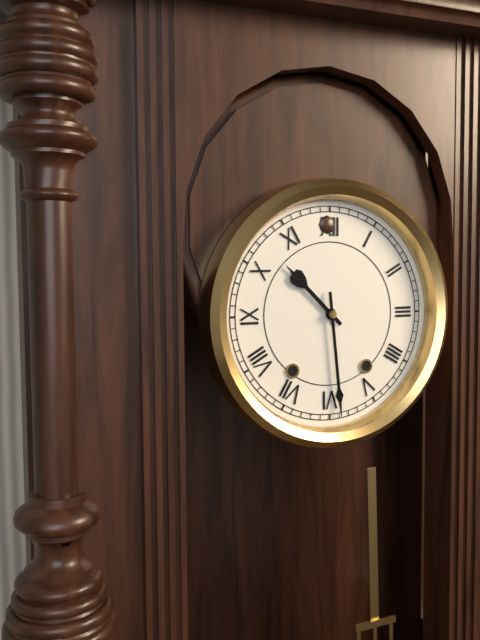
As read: 10h29
